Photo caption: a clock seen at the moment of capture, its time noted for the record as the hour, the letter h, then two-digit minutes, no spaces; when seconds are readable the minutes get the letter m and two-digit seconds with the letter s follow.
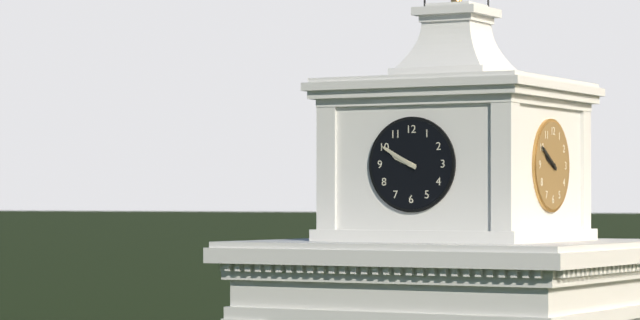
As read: 9h50
